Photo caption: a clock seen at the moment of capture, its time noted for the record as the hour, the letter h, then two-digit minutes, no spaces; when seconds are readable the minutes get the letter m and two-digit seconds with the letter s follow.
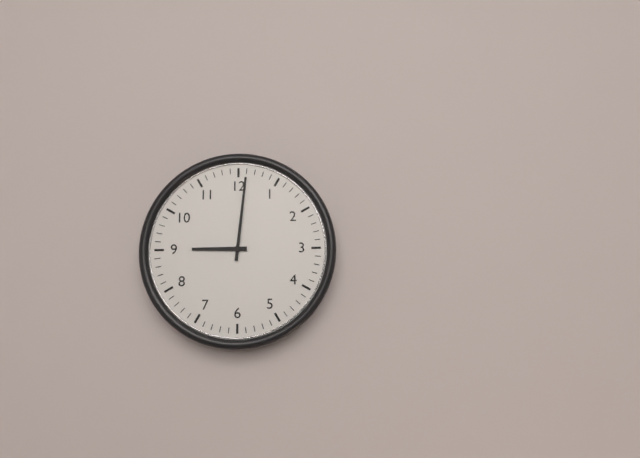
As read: 9h01
